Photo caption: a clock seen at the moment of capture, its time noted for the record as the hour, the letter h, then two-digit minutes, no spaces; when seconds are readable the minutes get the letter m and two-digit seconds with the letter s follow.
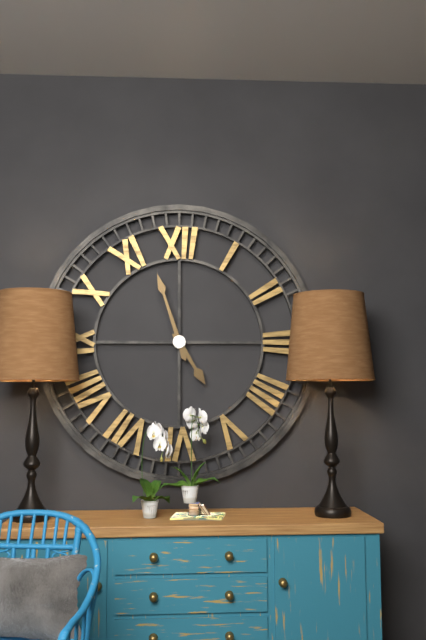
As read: 4h57
